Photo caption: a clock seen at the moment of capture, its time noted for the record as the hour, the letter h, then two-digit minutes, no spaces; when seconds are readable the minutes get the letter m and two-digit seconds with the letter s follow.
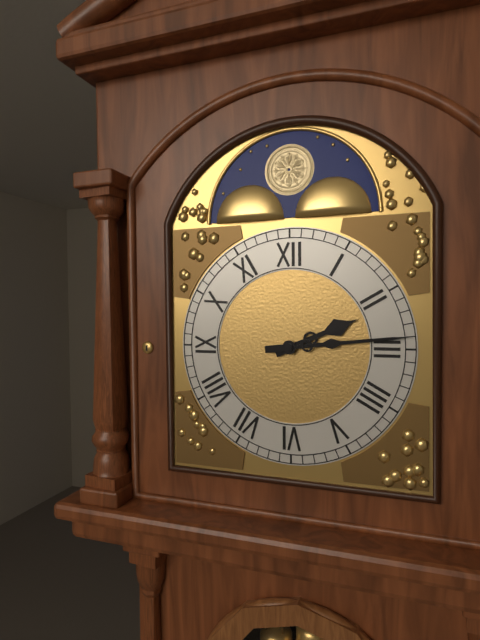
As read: 2h14
